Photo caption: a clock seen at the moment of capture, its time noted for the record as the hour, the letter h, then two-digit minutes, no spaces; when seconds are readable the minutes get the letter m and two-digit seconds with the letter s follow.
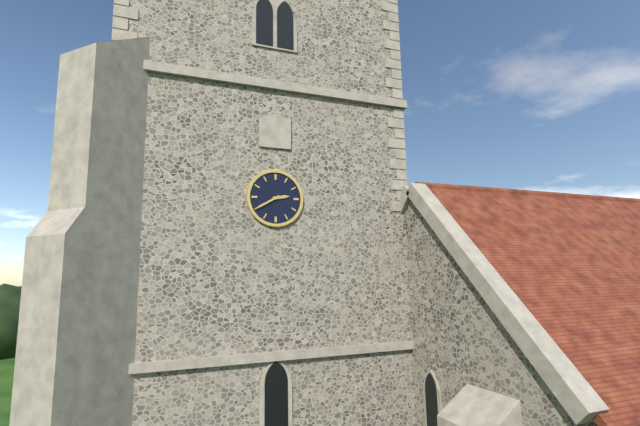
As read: 2h40
